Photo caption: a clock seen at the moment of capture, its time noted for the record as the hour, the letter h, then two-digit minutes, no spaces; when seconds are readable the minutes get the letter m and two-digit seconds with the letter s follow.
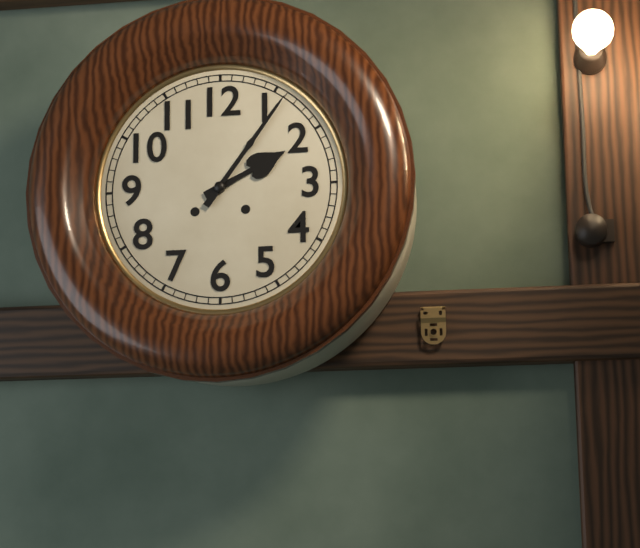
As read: 2h06
